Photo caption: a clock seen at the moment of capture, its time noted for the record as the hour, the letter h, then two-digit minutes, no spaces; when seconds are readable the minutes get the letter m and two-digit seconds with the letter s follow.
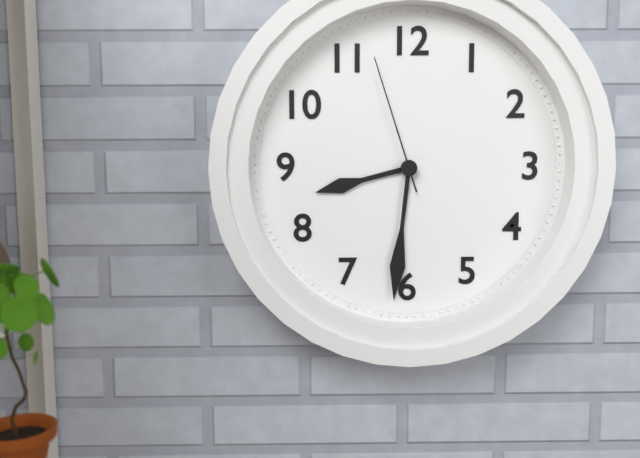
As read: 8h31m57s
